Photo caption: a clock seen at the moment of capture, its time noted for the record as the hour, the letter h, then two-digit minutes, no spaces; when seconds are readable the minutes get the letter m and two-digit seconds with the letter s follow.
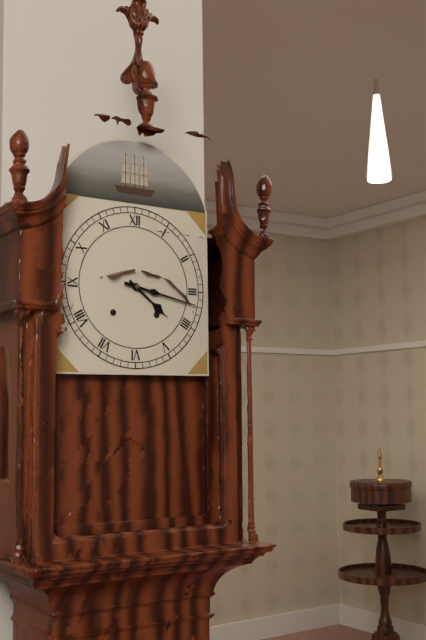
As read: 4h17
